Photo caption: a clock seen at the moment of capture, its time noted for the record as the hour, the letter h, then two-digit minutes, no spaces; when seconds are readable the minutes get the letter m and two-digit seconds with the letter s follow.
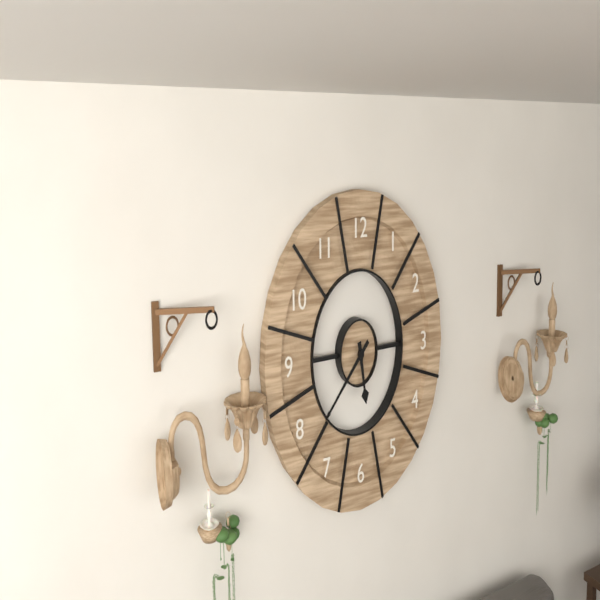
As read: 5h38
